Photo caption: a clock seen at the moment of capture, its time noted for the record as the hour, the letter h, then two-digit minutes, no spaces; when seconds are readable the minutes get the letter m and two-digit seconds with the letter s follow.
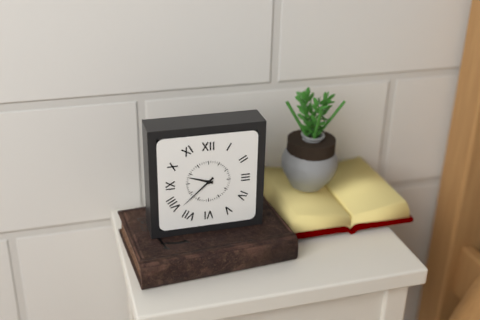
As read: 9h38
